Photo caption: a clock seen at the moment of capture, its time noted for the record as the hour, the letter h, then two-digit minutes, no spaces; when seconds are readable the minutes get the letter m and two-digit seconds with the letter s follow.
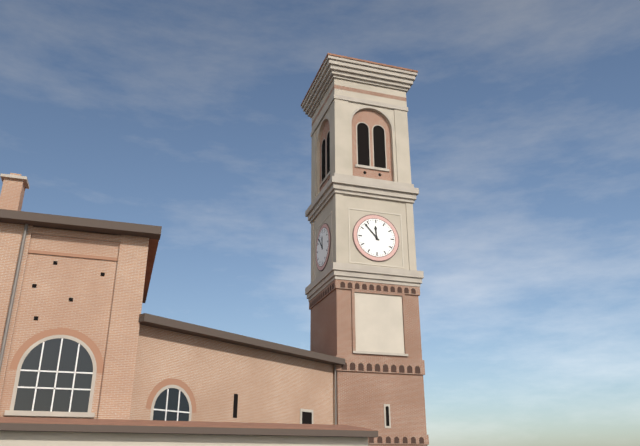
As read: 11h53
